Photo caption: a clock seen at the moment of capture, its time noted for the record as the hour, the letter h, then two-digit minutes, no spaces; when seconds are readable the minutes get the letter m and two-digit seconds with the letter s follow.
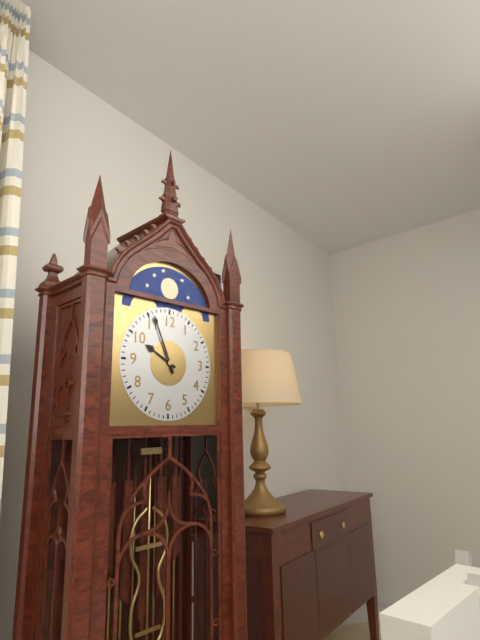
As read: 9h56
